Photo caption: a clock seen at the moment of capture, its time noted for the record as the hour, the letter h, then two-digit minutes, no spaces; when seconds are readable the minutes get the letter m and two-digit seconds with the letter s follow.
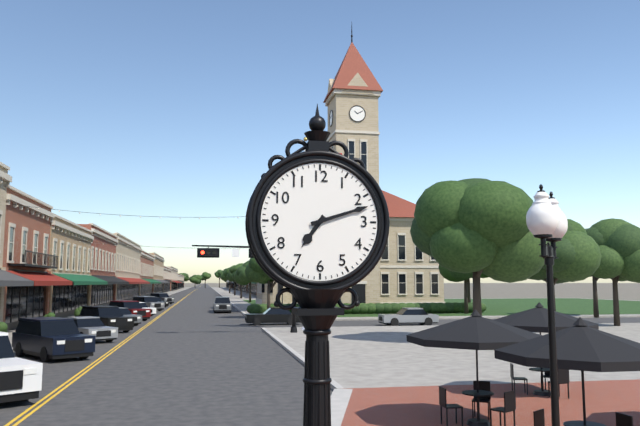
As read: 7h12
